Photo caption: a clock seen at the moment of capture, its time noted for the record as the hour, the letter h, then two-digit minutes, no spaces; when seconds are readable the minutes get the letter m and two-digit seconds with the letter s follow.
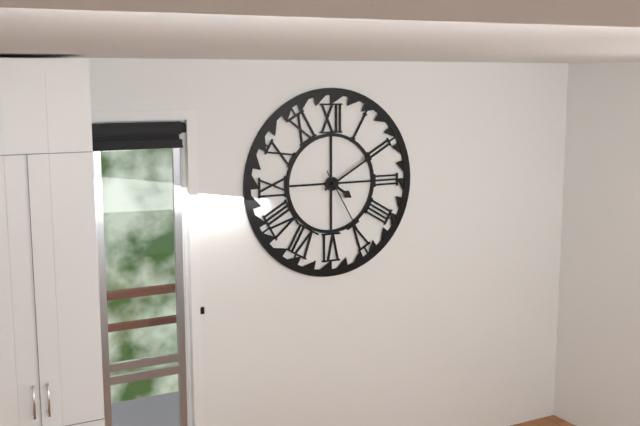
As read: 4h10m25s
